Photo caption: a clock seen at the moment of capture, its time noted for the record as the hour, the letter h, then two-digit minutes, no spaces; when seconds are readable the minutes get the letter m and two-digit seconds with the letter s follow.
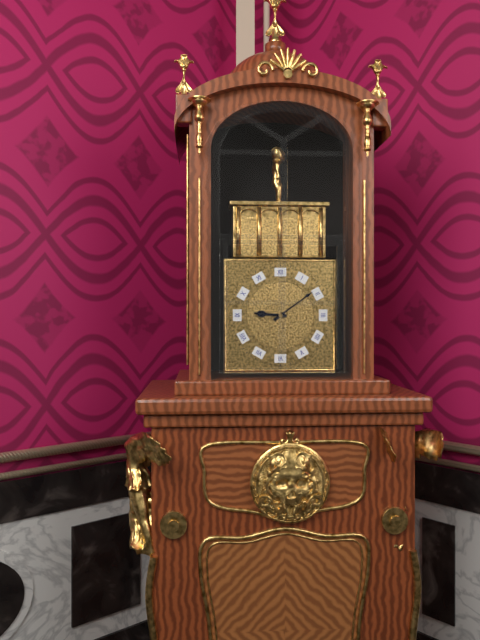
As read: 9h09
